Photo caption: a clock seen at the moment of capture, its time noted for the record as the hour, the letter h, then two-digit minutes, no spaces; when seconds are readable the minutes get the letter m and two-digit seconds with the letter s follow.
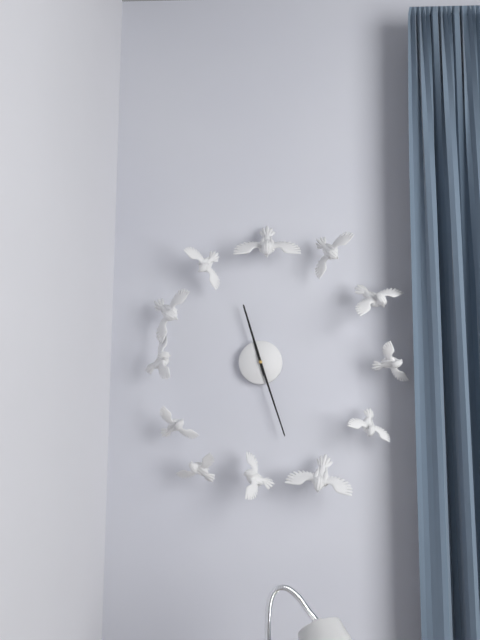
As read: 11h27
